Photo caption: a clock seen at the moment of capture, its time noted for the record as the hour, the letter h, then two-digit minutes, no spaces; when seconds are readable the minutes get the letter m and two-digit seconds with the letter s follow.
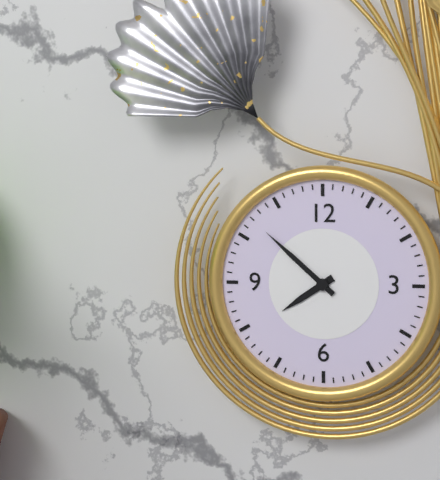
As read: 7h52
